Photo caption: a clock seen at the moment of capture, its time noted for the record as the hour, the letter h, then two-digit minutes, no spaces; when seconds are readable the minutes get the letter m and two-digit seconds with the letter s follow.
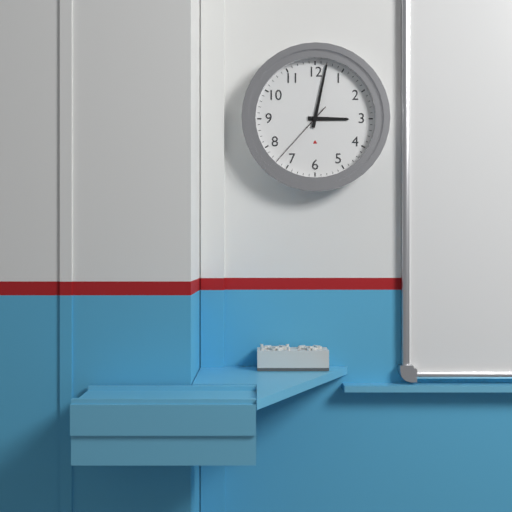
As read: 3h02m37s
